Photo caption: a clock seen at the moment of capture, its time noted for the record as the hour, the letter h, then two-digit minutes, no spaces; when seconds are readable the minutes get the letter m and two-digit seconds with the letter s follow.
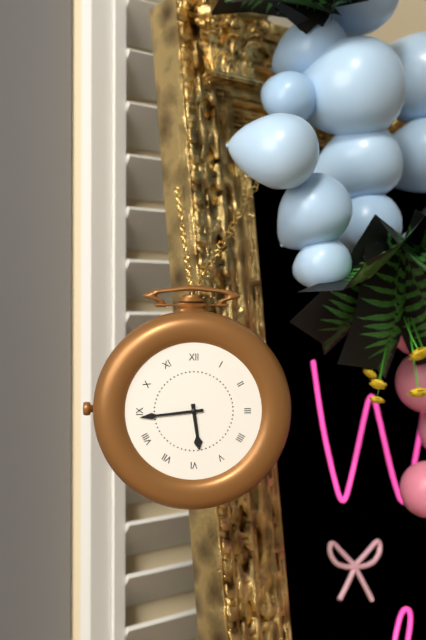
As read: 5h44
